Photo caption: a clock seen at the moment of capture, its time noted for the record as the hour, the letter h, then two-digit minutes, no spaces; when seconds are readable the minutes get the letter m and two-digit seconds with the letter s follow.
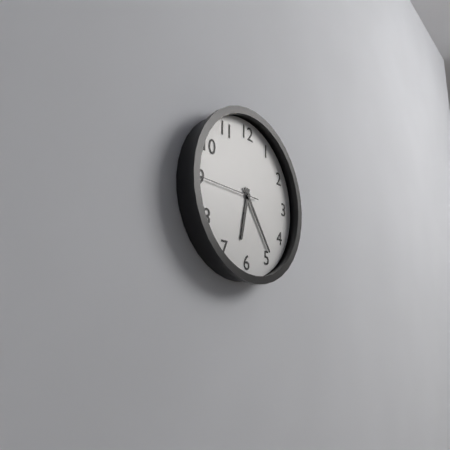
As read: 6h24m45s
